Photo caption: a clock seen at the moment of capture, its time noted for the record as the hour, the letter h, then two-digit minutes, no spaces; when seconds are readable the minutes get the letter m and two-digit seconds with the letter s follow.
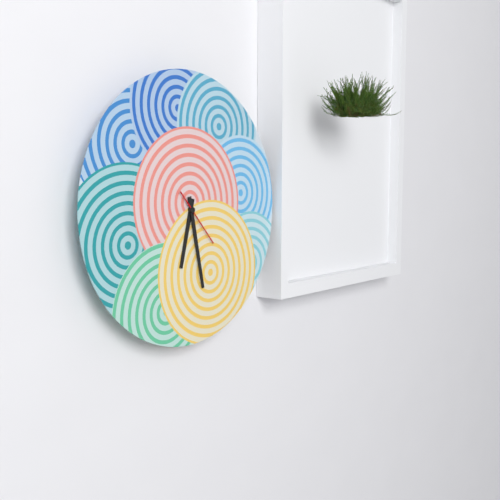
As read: 6h28m23s
